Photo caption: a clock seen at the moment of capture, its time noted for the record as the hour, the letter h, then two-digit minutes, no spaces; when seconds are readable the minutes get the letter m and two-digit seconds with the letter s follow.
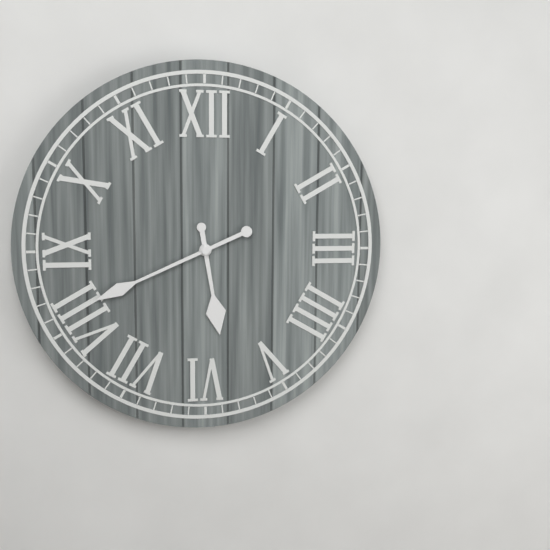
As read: 5h41
